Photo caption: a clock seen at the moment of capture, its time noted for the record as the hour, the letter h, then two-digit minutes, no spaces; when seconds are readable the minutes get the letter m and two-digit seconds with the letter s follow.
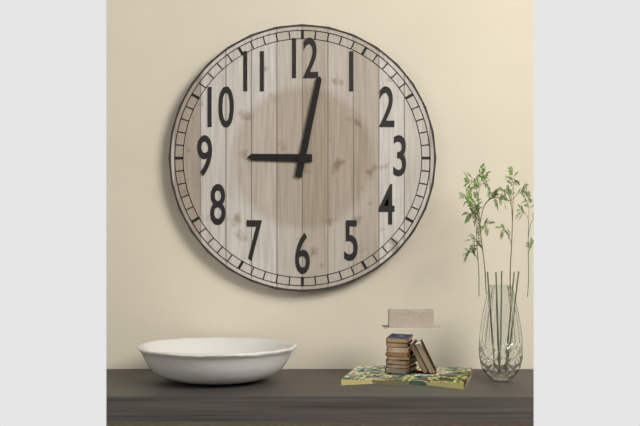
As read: 9h02
